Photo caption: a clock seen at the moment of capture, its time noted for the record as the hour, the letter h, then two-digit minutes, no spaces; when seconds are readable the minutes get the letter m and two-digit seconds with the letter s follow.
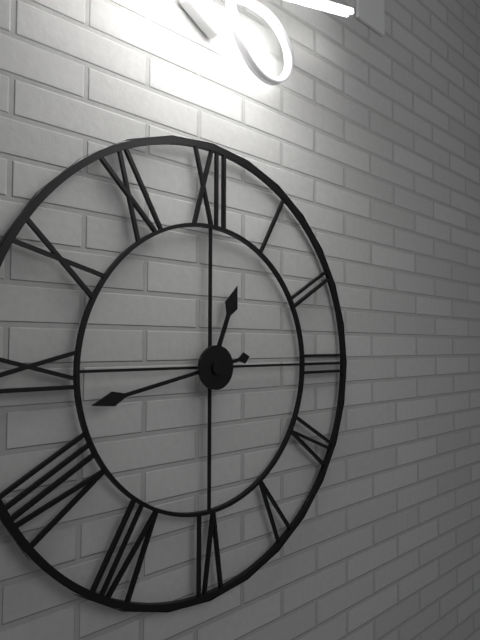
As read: 12h43
